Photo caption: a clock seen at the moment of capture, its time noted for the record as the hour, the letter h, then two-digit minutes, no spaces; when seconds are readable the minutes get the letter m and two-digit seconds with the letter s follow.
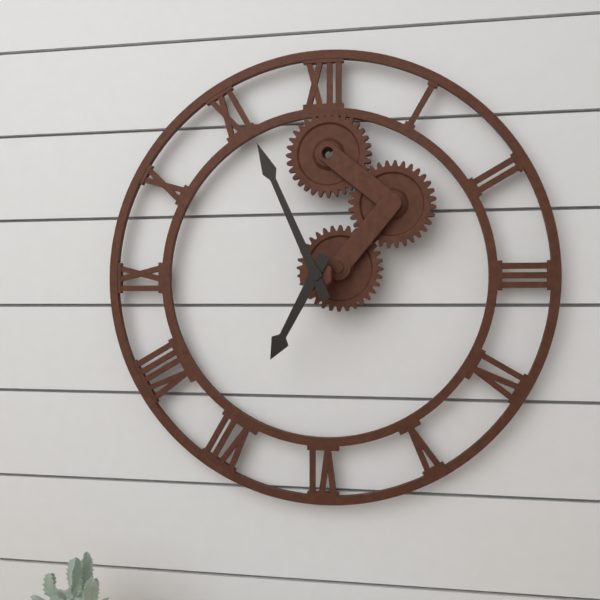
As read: 6h56
